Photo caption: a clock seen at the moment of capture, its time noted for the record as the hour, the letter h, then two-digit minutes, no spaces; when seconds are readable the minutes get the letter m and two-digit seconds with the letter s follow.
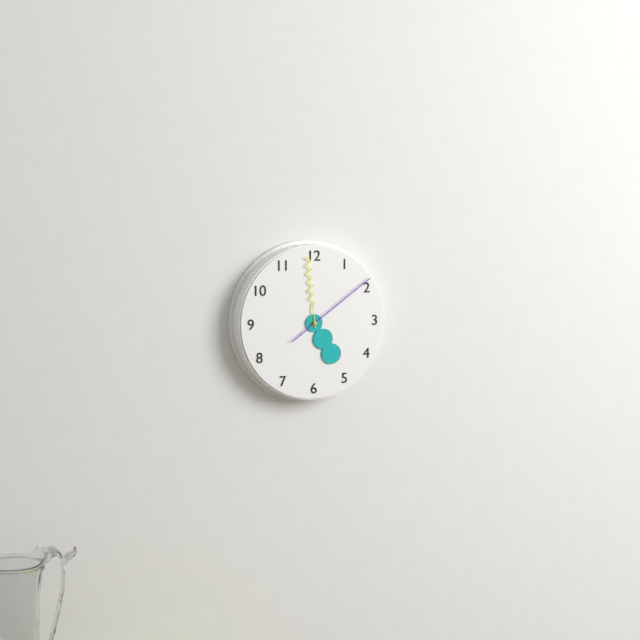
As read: 4h59m09s
